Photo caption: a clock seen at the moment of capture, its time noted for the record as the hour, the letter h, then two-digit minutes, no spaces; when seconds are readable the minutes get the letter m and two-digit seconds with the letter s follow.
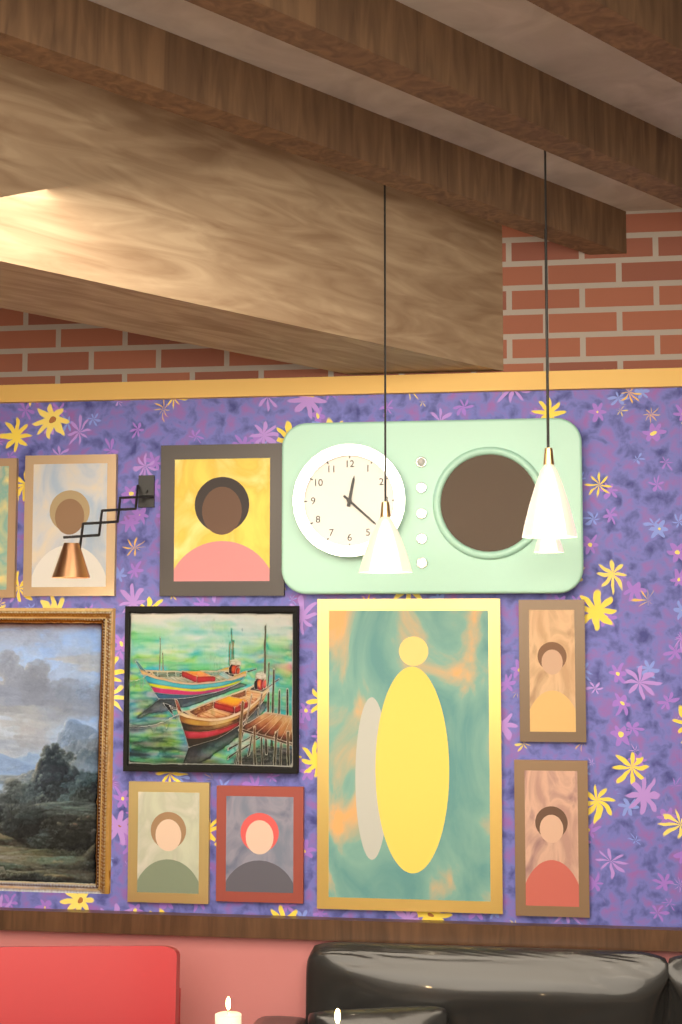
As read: 12h22
